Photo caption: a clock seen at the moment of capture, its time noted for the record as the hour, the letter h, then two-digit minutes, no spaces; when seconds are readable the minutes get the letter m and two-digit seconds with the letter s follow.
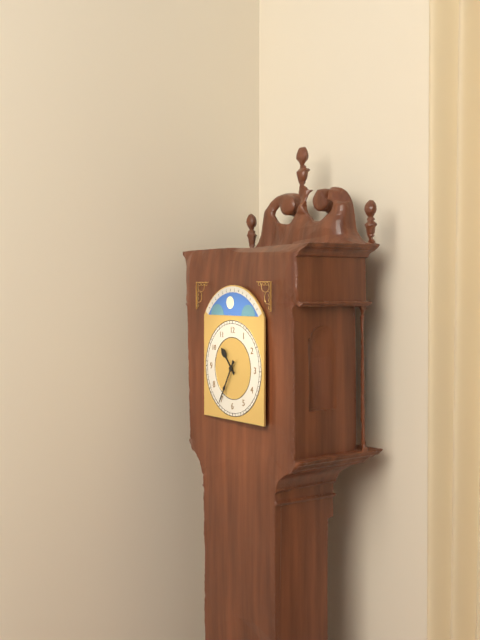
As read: 10h35
